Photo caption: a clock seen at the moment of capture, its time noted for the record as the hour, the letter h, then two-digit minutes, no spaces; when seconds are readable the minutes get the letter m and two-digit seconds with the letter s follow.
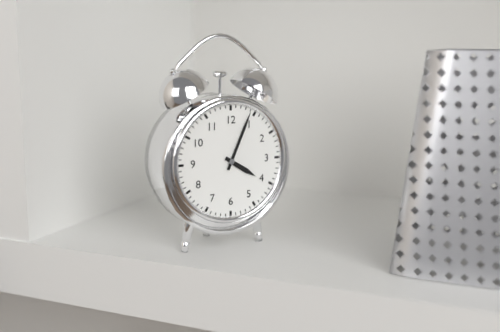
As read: 4h04
